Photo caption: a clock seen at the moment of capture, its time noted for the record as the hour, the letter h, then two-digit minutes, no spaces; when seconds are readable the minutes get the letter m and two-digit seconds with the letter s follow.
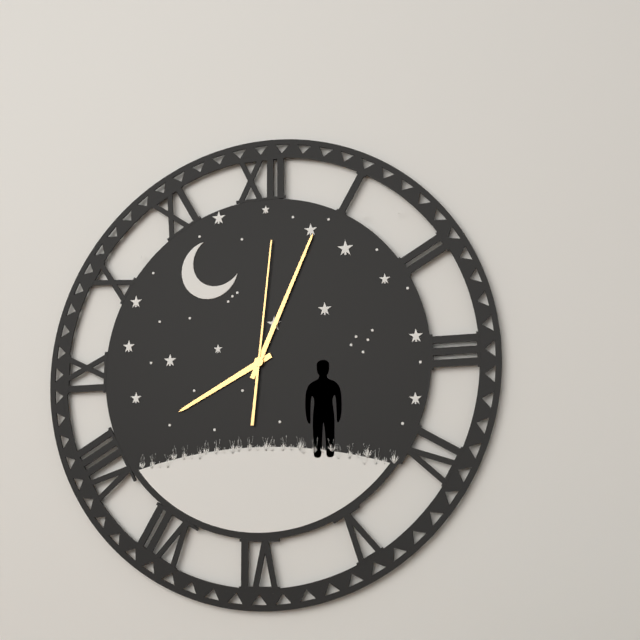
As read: 8h04m01s
